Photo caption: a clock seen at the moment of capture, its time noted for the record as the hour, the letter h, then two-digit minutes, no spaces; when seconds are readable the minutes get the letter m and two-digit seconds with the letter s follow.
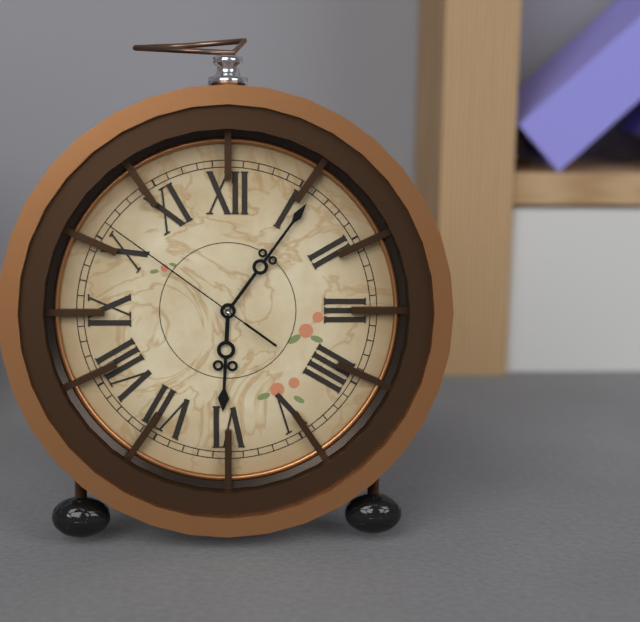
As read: 6h06m51s
